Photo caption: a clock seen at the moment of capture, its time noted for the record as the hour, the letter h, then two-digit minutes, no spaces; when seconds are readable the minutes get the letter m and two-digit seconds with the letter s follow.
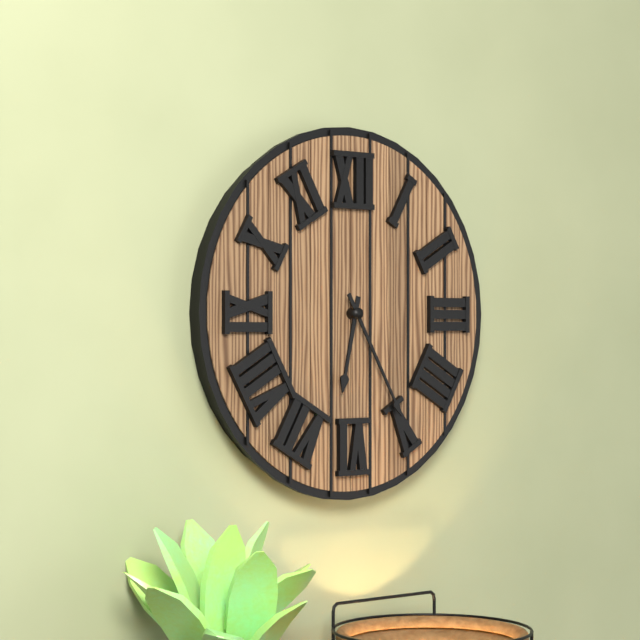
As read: 6h25
